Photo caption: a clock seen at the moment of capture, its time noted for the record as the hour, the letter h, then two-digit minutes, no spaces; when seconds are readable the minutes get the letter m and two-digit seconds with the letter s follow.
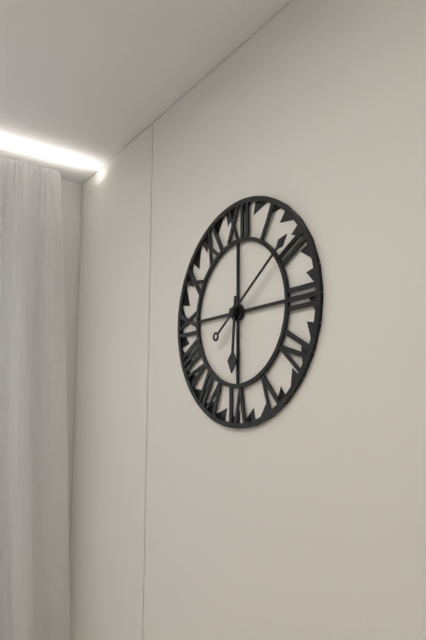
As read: 6h09
